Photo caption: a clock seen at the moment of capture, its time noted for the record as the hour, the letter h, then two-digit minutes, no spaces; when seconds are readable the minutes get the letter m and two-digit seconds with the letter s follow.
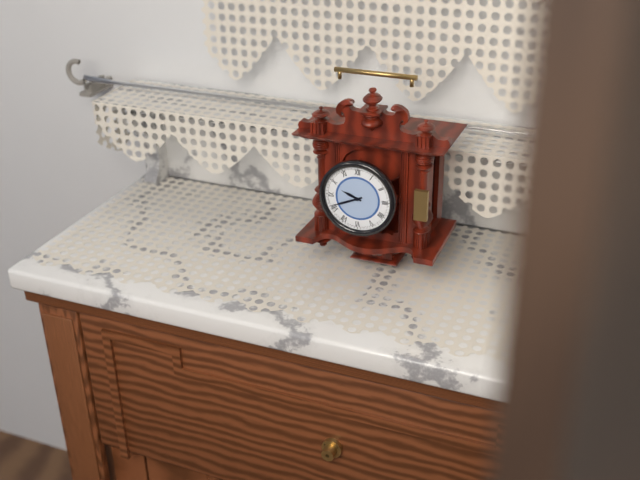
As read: 9h41
